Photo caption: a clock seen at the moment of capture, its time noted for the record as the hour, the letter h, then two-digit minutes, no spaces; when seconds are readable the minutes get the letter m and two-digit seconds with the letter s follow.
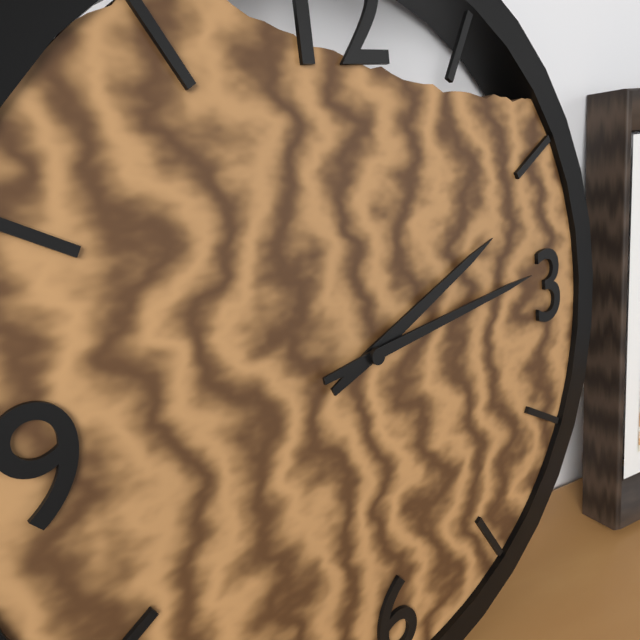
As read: 2h14
